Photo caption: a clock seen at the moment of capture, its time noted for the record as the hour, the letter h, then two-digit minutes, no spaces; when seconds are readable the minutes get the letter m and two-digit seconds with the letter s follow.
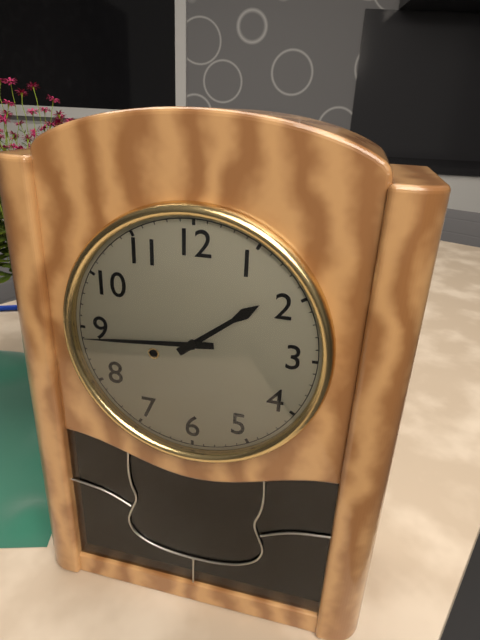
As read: 1h44
